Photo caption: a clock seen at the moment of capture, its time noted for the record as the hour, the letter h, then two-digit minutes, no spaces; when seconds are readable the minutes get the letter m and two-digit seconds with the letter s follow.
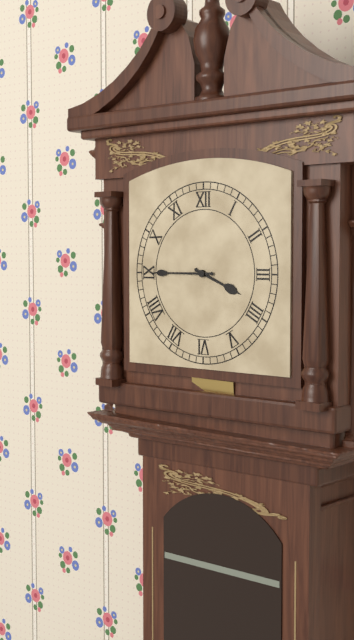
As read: 3h45
